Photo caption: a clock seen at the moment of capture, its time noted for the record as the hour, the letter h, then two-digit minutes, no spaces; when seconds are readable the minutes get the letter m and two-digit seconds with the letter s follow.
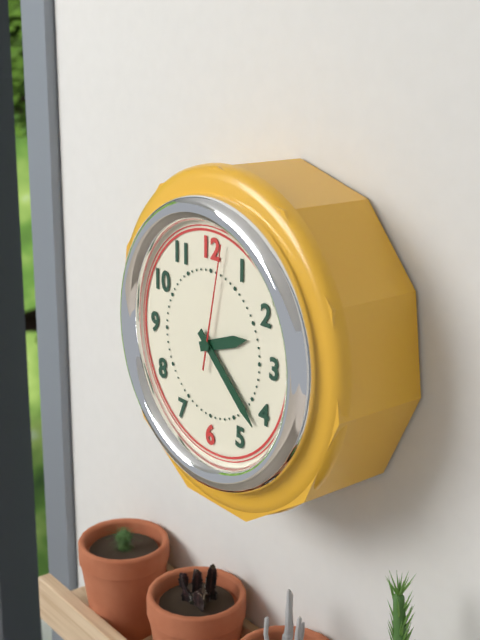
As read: 2h22m02s
